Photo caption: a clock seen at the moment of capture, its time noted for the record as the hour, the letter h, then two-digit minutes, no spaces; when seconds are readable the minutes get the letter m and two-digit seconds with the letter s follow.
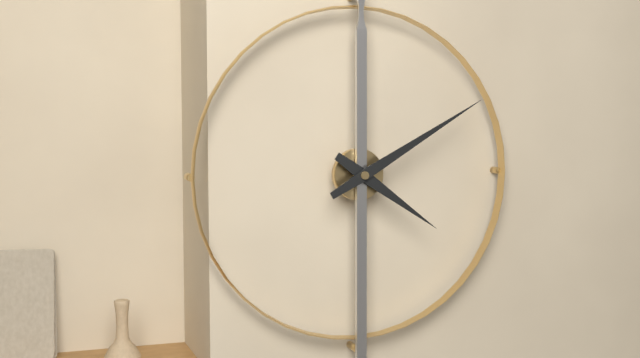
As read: 4h10
